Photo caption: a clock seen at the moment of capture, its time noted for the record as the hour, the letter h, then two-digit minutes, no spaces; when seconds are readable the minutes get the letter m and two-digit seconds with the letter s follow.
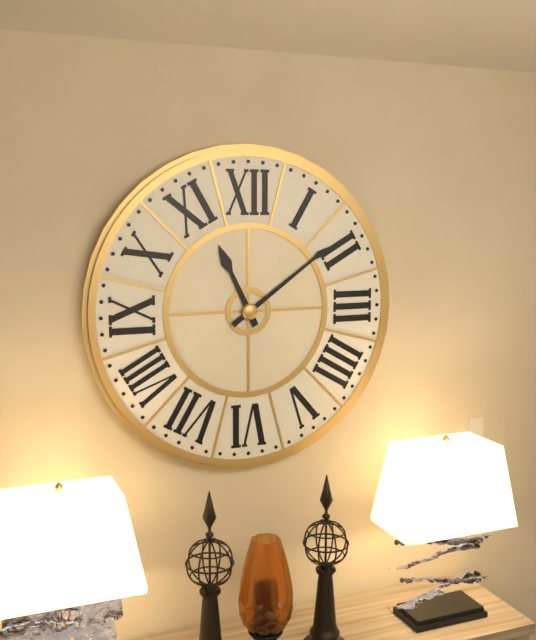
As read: 11h09
